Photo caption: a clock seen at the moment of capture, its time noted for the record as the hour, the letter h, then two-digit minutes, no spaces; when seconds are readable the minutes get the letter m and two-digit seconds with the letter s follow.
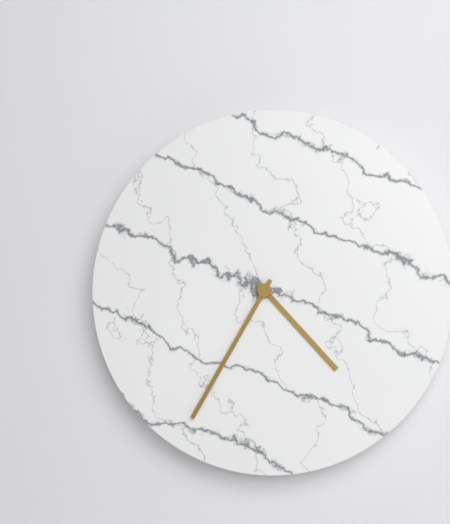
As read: 4h35
